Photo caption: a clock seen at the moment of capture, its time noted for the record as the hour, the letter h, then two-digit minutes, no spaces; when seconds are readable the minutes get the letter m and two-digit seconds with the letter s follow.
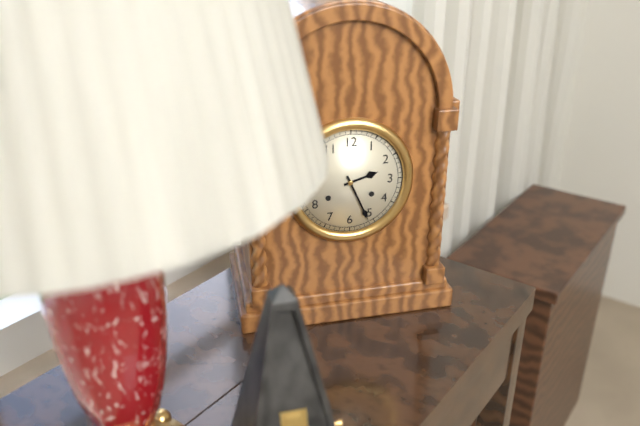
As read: 2h26
